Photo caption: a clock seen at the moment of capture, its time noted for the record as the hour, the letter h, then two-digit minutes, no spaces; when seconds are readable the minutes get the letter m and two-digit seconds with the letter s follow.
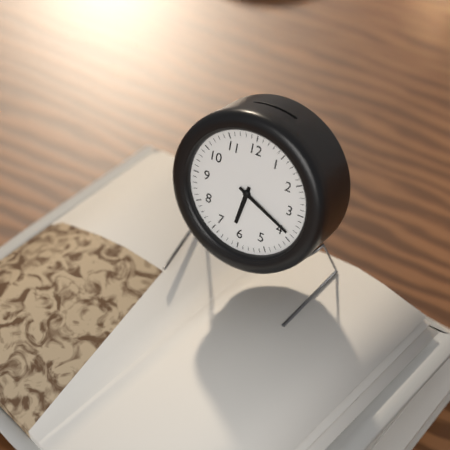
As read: 6h19
